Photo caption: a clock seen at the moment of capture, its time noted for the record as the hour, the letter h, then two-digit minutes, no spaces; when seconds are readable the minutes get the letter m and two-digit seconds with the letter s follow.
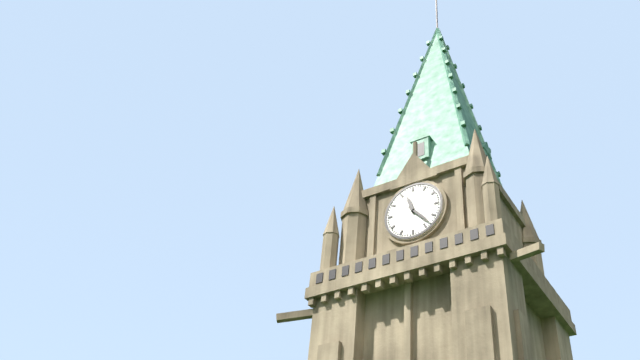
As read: 11h23
